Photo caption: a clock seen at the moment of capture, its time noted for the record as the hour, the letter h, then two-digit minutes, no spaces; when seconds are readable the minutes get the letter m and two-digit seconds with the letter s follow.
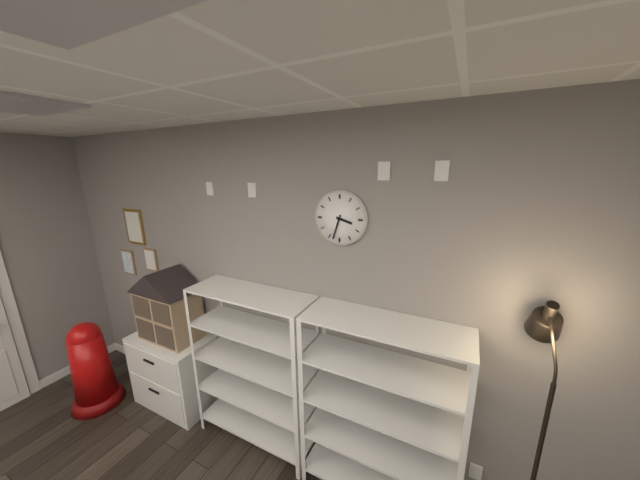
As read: 3h33
